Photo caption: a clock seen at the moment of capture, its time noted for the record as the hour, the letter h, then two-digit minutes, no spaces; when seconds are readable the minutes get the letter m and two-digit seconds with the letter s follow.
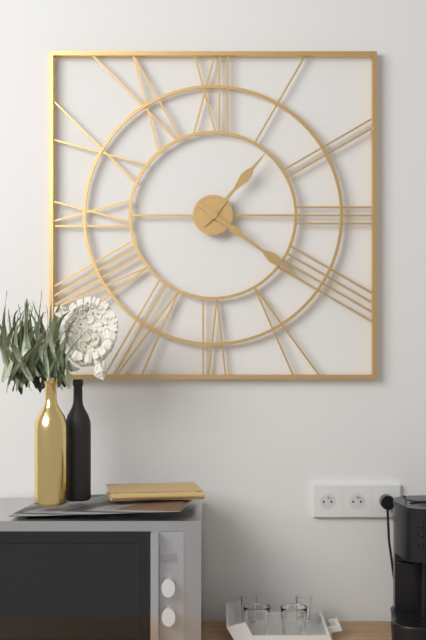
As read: 1h21
